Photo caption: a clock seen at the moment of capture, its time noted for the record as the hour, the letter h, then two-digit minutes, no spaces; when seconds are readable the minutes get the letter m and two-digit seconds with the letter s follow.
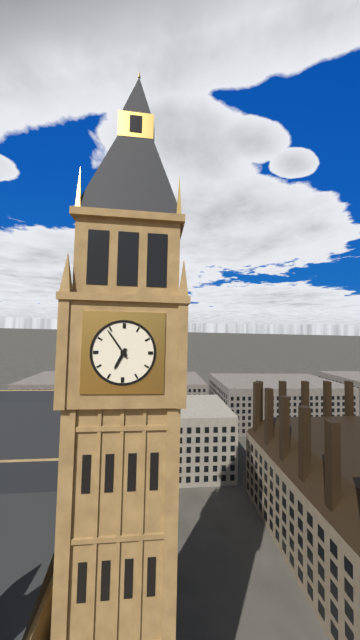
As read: 6h54
